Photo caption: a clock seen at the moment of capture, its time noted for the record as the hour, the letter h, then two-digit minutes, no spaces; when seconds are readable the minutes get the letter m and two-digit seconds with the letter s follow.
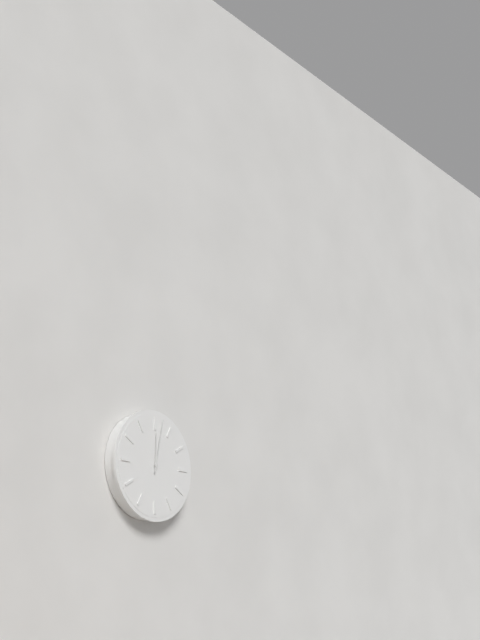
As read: 12h02
